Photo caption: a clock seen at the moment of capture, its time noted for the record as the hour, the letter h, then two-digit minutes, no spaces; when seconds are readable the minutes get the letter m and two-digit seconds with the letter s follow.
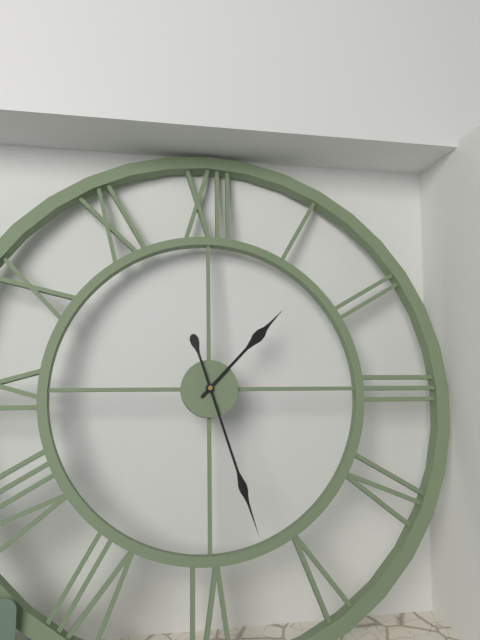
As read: 1h27
